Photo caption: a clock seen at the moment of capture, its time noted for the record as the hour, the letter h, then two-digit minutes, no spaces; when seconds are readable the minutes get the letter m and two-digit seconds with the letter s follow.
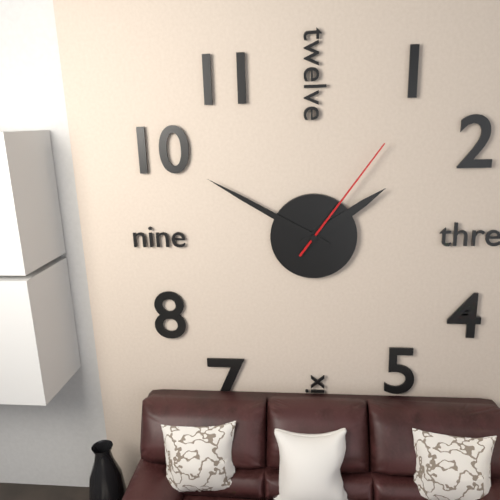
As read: 1h50m06s
